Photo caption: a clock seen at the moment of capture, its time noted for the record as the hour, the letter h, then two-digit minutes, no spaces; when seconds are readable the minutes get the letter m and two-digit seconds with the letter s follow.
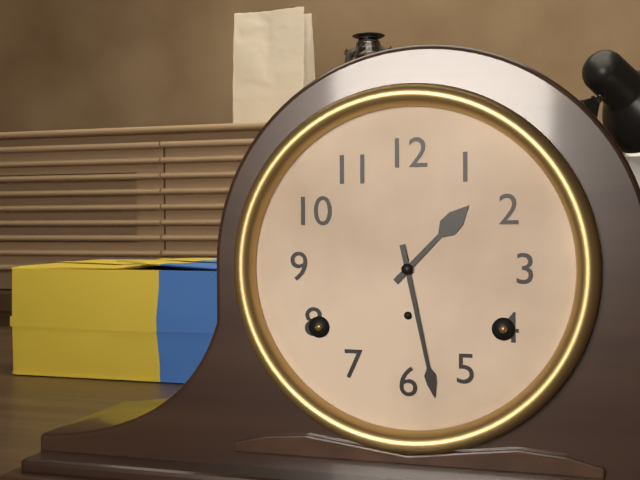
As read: 1h28
